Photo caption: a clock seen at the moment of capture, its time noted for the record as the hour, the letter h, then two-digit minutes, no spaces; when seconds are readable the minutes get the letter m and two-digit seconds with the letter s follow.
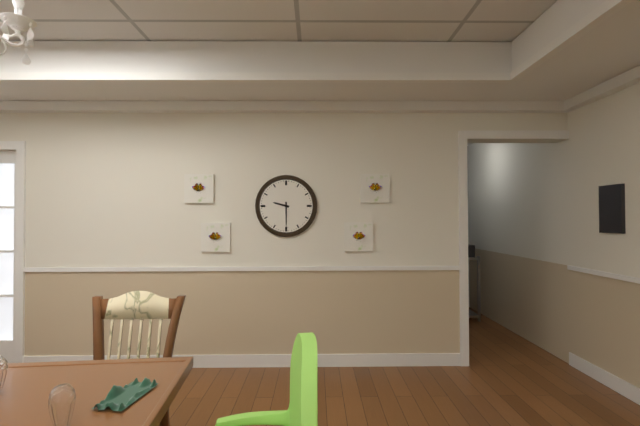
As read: 9h30
